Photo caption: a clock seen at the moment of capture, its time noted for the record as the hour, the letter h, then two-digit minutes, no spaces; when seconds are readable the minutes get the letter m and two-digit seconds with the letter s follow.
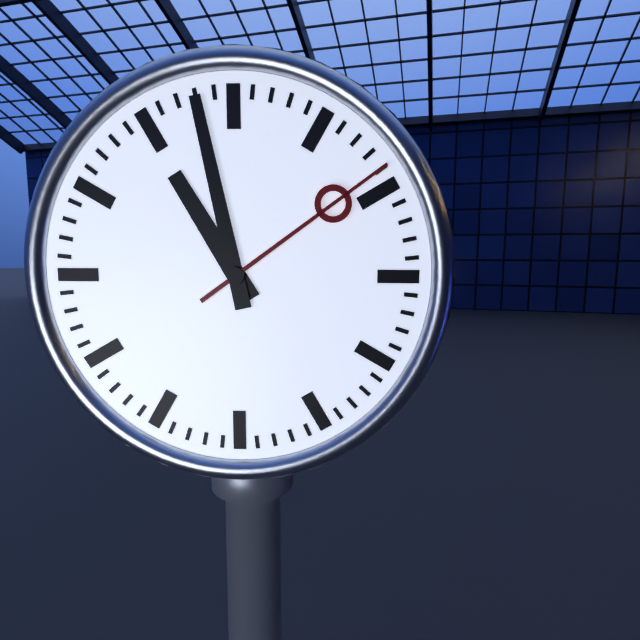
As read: 10h58m09s
